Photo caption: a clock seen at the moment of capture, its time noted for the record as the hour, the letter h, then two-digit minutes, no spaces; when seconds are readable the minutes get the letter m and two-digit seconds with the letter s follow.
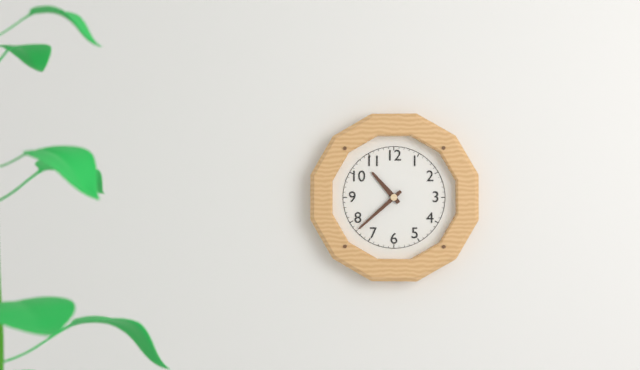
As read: 10h38
